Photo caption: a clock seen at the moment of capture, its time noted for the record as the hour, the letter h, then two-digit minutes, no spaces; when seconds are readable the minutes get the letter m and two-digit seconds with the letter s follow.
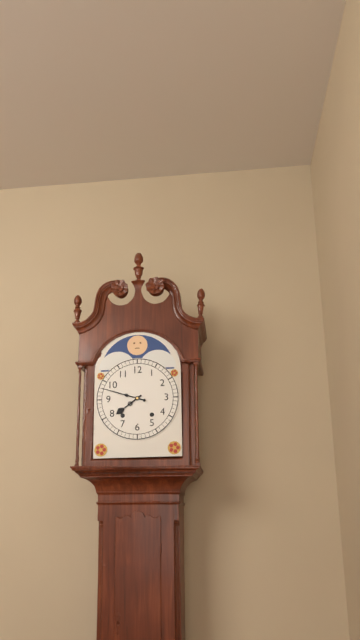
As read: 7h48
